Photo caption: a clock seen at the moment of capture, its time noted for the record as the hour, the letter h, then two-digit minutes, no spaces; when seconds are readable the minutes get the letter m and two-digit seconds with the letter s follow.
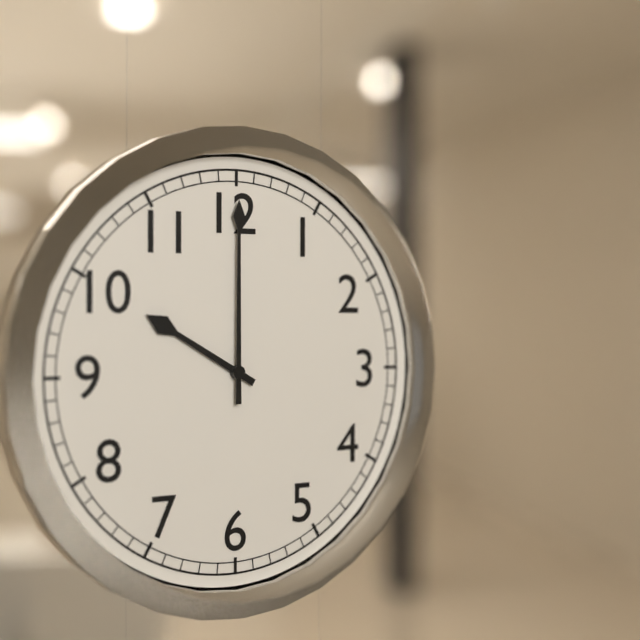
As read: 10h00
